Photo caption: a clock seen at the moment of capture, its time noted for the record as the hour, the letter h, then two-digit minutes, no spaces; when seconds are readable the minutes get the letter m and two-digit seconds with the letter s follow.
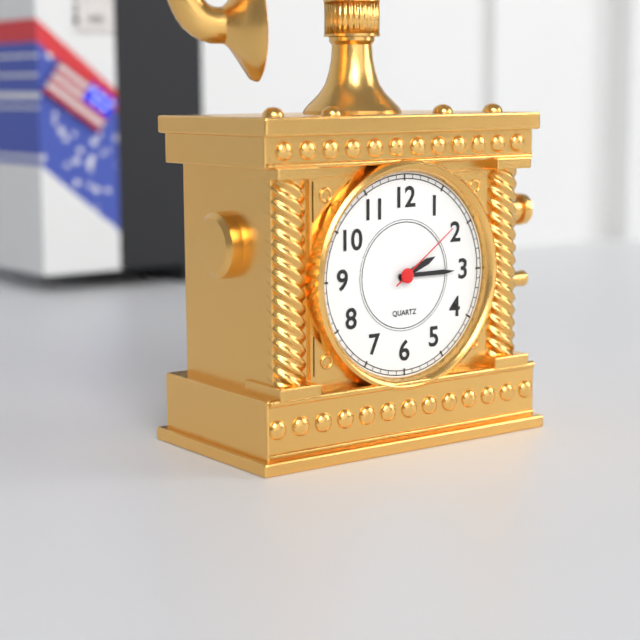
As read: 2h15m09s
